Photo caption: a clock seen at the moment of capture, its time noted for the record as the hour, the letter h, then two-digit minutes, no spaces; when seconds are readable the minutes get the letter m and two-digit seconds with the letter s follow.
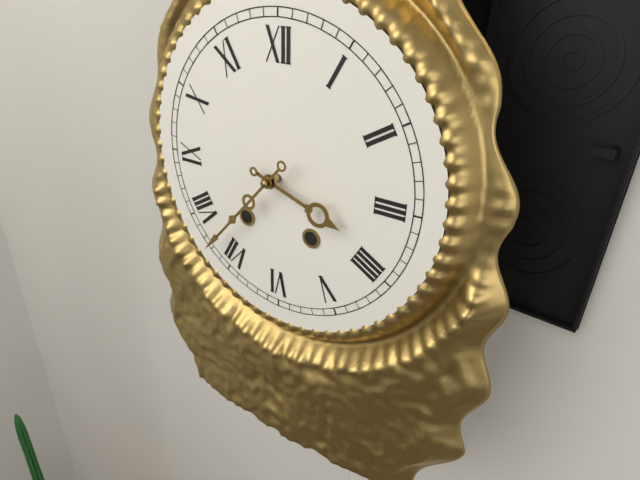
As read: 3h37
